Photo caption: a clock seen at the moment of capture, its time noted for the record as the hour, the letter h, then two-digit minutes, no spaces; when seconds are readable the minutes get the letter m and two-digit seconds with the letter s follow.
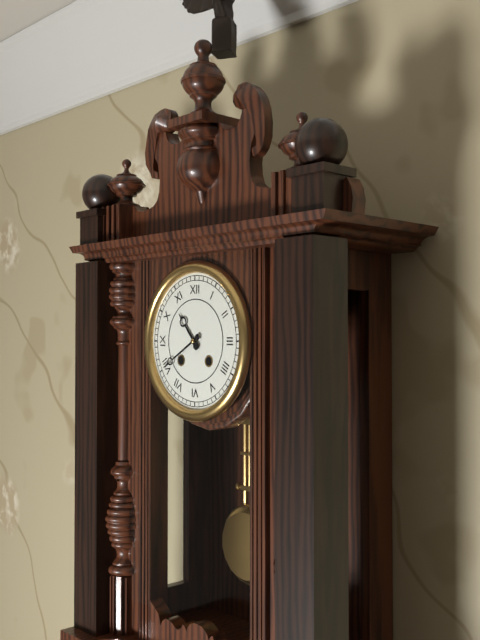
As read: 10h40
